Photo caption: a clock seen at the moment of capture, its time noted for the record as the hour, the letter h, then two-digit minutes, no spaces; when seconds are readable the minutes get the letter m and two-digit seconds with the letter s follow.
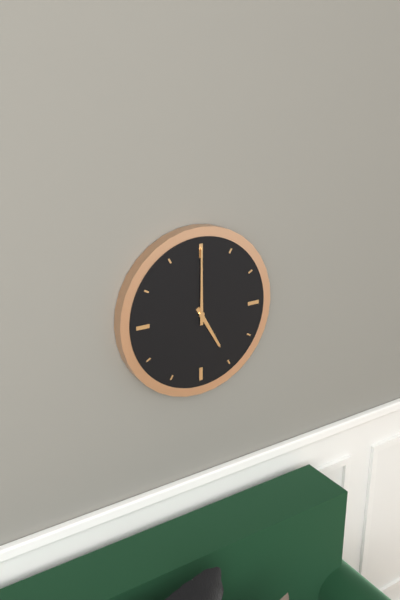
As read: 5h00
